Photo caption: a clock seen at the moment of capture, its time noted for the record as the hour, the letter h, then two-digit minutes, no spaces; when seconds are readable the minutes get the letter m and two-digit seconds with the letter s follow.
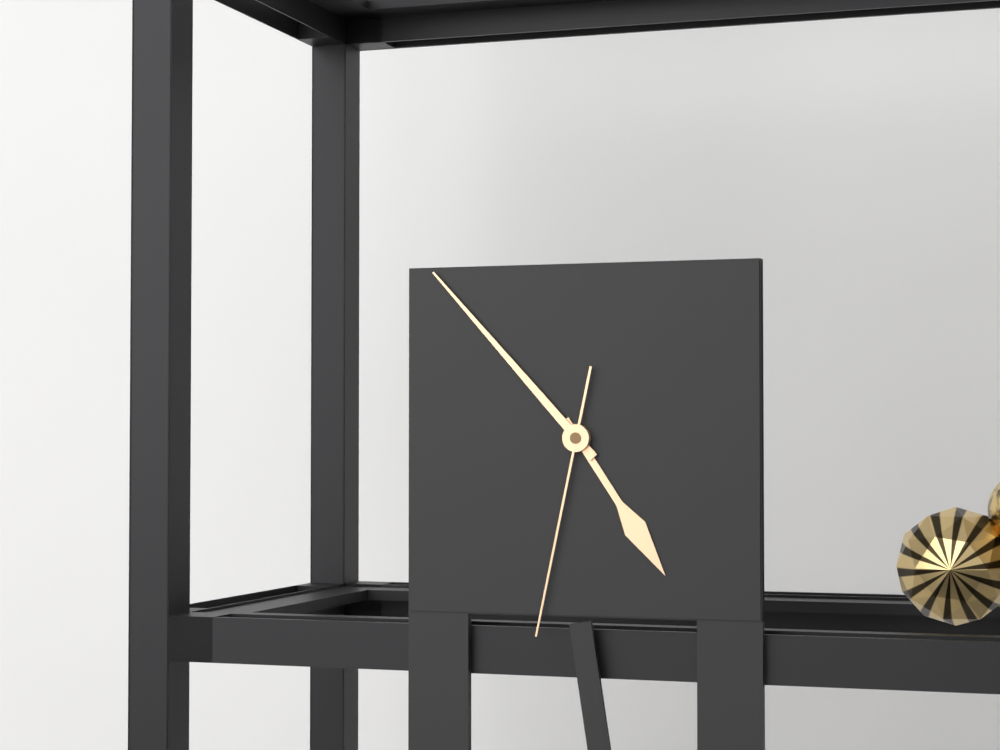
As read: 4h53m32s
